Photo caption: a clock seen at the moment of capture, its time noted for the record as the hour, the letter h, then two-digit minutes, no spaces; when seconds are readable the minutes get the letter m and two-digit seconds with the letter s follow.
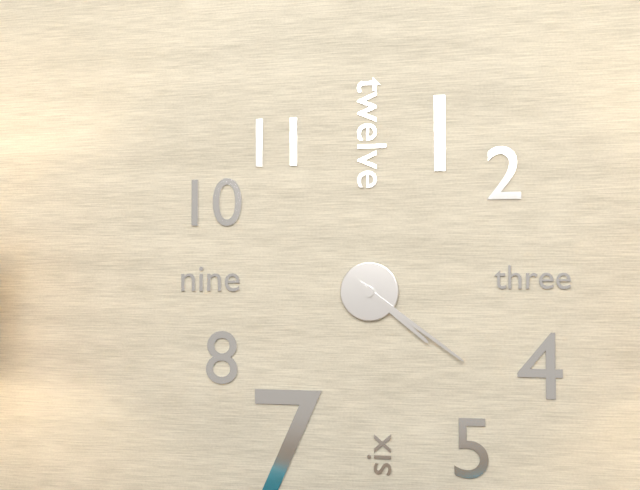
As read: 4h21
